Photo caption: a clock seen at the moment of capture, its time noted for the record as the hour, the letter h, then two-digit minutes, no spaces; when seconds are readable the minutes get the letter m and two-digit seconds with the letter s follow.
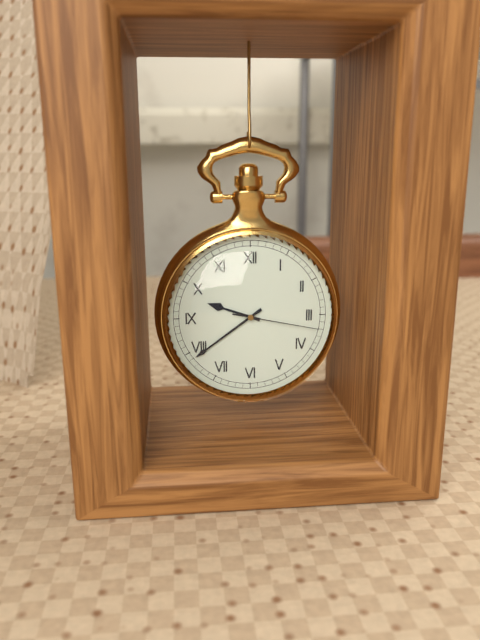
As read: 9h39m17s
